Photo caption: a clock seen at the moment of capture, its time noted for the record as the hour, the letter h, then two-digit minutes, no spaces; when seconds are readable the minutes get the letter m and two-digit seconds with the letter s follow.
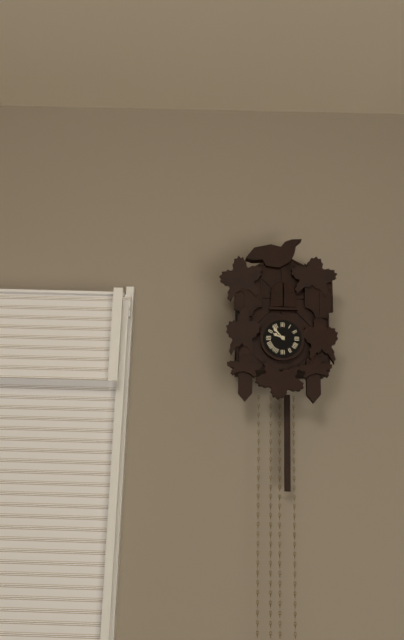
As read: 9h53
